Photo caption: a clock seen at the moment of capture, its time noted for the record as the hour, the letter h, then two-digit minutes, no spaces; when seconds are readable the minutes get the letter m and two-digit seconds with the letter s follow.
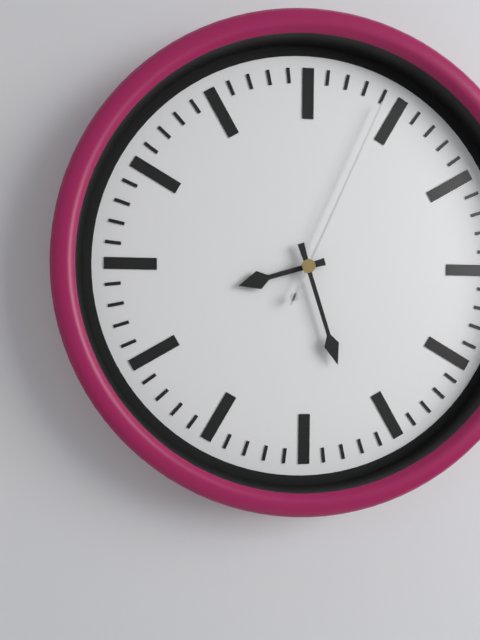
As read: 8h27m04s
